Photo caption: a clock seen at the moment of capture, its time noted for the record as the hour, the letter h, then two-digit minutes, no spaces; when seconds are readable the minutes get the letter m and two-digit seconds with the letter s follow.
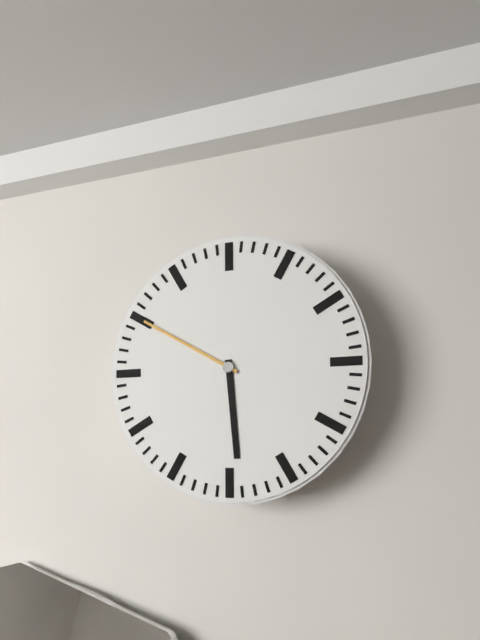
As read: 5h50
